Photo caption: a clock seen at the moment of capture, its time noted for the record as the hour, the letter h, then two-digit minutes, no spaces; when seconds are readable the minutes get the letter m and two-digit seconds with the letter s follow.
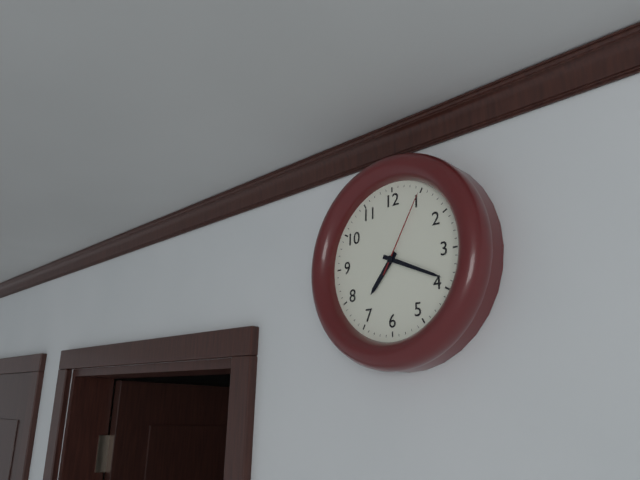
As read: 7h19m05s
